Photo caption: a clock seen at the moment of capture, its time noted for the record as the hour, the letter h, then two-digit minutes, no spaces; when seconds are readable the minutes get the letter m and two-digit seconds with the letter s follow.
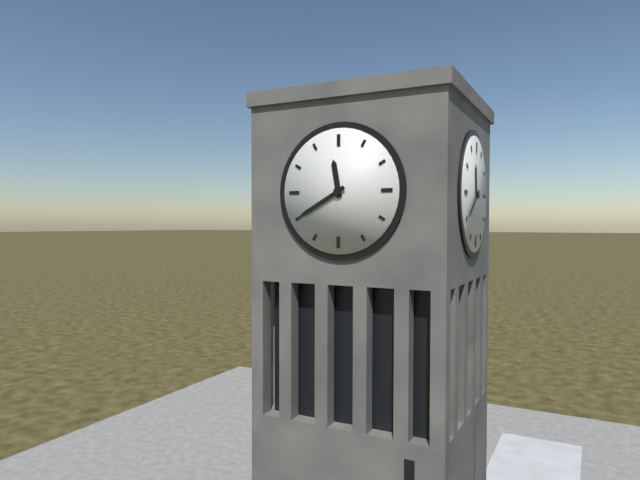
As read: 11h40
